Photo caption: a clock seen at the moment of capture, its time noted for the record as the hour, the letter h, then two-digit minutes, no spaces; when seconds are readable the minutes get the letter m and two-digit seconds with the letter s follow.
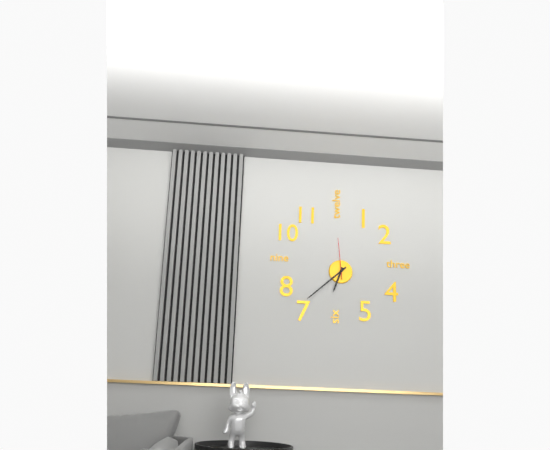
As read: 6h38
